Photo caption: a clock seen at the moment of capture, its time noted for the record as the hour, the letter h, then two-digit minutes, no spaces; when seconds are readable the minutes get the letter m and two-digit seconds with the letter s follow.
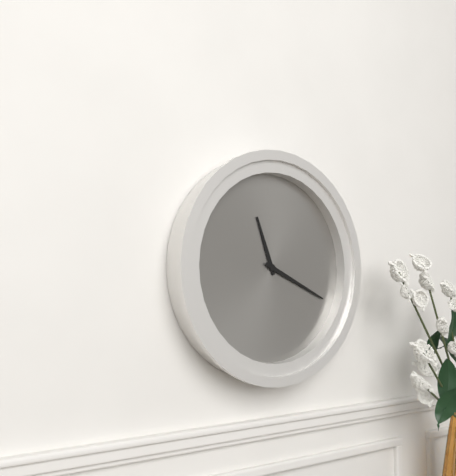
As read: 11h19
